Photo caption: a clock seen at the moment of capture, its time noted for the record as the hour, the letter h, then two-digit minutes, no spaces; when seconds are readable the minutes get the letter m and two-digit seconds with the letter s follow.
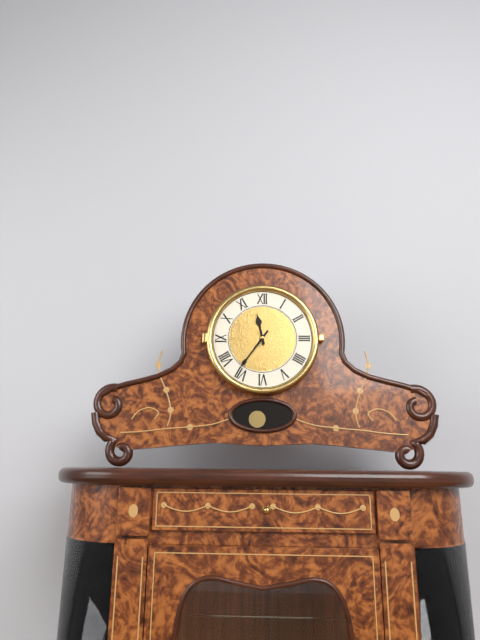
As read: 11h36
